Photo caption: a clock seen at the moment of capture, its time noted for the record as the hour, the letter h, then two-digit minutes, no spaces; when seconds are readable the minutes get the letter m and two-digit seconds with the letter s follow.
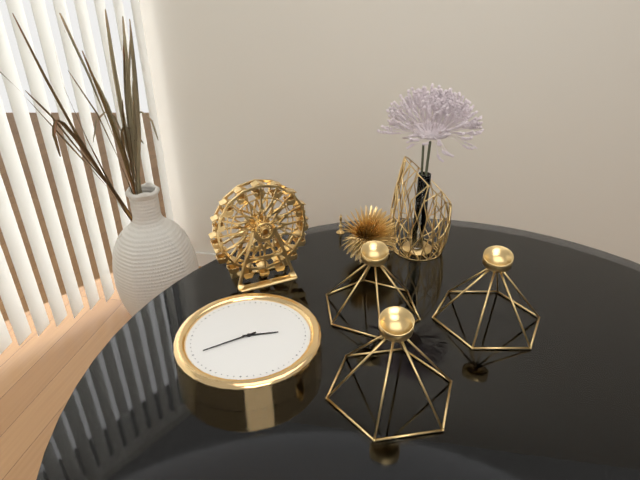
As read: 2h40
